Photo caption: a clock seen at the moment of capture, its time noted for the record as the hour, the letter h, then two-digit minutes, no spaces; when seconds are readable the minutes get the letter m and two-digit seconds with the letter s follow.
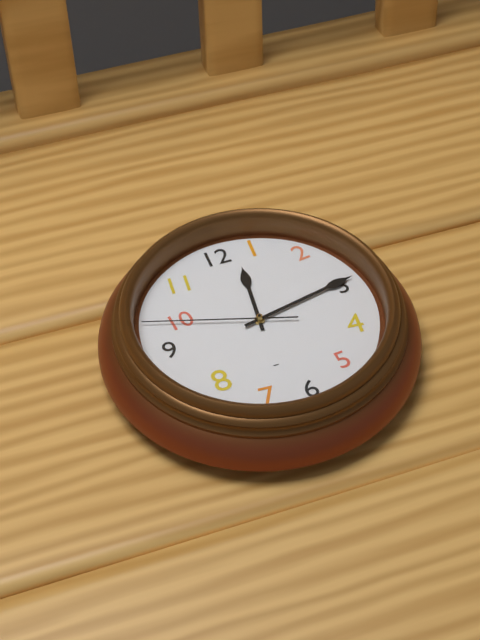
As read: 12h13m48s
